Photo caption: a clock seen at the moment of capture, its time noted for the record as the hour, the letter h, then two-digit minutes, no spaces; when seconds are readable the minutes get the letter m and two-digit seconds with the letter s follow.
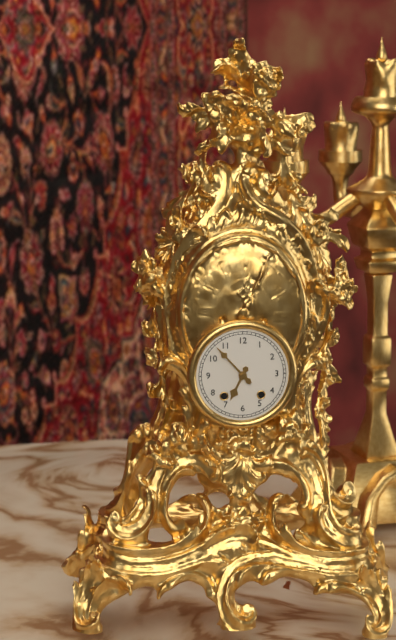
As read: 6h53
